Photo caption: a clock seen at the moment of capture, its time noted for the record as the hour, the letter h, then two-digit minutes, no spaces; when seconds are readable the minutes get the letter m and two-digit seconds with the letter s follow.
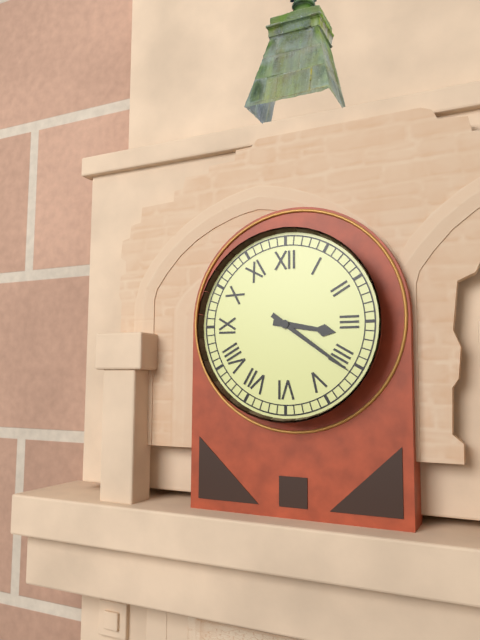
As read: 3h21
